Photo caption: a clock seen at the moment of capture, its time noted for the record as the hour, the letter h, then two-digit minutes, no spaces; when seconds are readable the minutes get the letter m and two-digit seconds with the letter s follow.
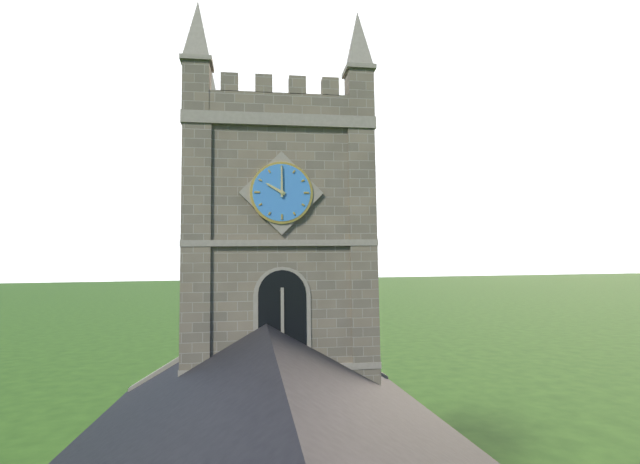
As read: 10h00
